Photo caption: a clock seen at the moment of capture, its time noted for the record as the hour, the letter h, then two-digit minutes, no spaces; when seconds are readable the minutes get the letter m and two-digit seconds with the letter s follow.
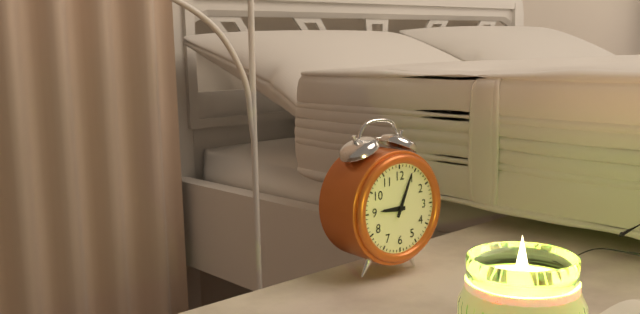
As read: 9h04
